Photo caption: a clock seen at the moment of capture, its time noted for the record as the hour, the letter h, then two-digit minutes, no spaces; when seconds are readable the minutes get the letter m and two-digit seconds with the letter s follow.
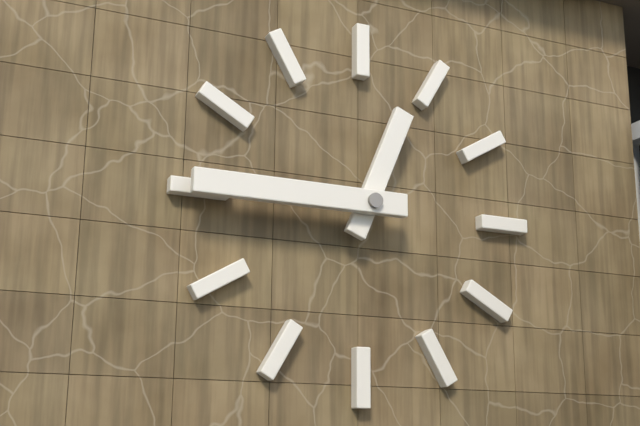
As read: 12h45
